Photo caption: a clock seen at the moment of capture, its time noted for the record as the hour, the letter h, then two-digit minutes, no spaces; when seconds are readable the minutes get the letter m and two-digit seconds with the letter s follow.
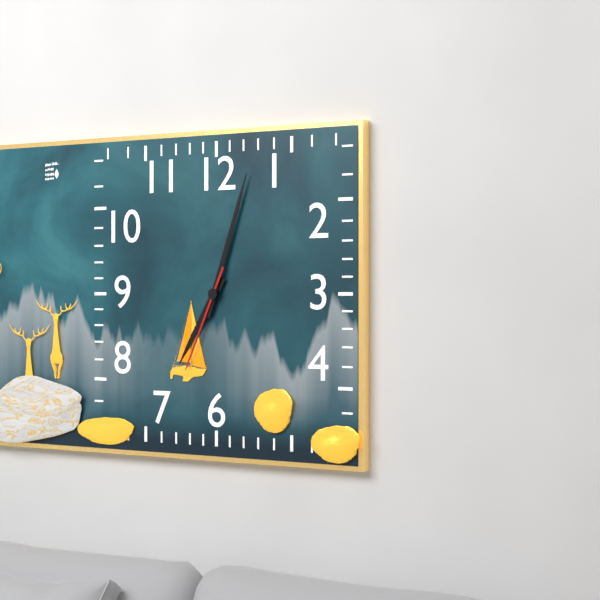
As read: 7h03m34s
